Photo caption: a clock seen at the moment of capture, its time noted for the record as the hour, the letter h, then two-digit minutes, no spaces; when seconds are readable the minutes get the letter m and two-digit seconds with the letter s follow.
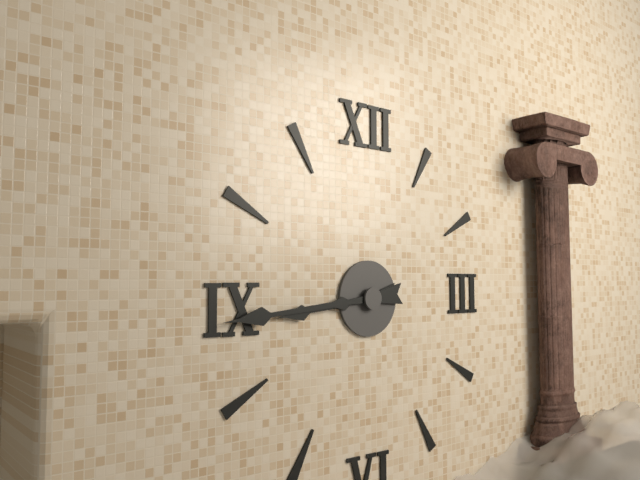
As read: 8h44
